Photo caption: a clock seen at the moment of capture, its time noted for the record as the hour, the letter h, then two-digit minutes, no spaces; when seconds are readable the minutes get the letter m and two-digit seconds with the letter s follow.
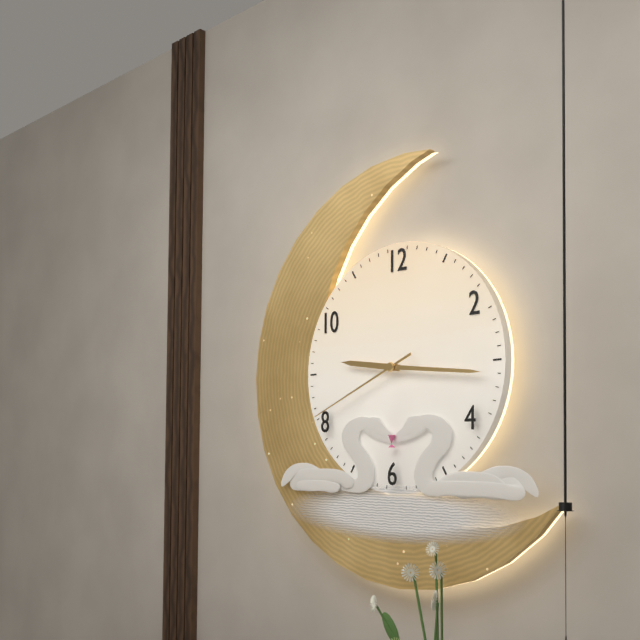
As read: 9h16m41s
